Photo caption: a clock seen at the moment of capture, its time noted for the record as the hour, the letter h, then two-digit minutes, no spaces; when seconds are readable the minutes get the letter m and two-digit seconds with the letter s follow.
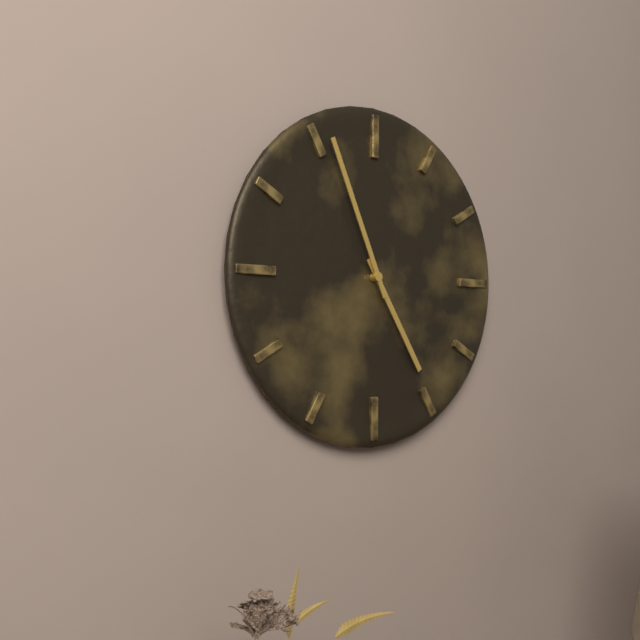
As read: 4h56
